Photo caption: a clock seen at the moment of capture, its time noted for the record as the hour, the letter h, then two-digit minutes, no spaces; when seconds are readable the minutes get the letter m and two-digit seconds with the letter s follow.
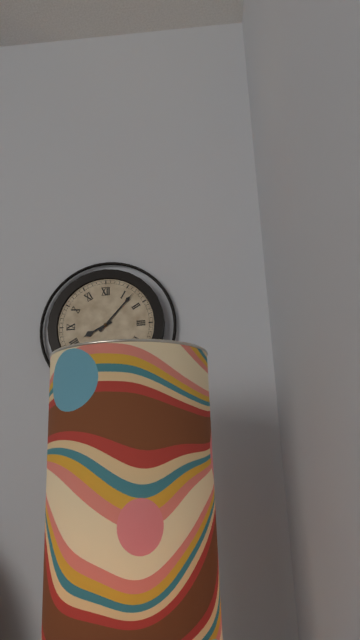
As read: 8h07
